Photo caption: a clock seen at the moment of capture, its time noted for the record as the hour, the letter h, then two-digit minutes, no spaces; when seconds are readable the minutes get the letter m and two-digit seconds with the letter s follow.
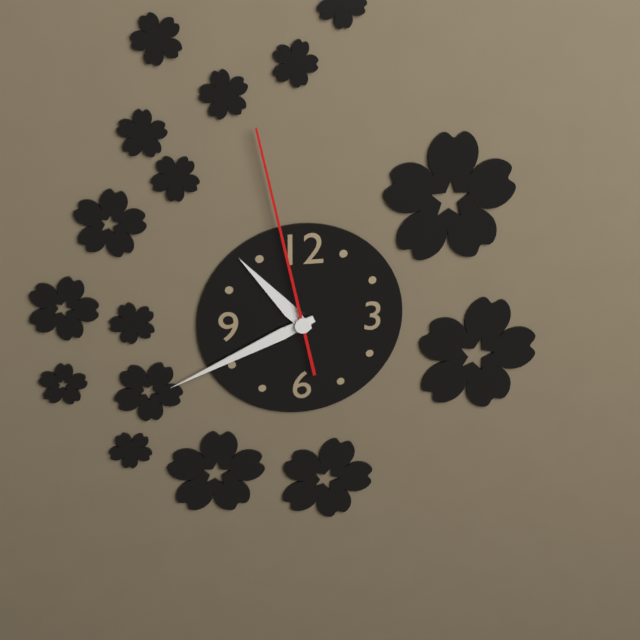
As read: 10h41m58s
